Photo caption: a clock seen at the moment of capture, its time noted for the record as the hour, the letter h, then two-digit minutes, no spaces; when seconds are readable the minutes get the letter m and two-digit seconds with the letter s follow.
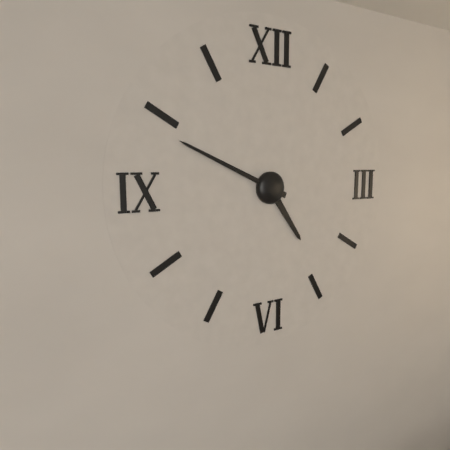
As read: 4h49
